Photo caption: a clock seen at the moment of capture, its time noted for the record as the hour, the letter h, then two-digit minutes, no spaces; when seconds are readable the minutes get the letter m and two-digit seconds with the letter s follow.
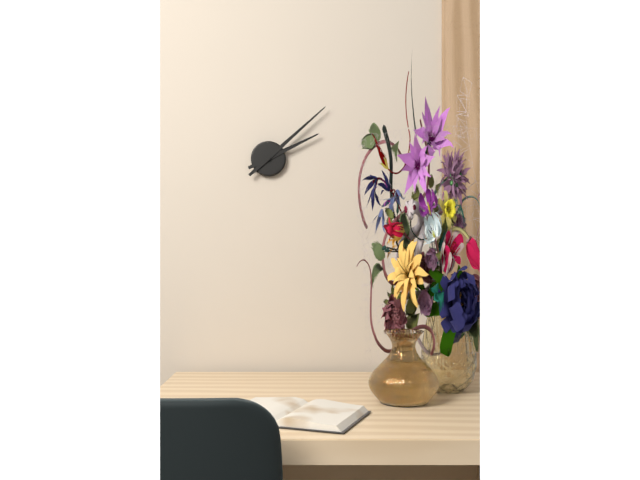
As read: 2h08
